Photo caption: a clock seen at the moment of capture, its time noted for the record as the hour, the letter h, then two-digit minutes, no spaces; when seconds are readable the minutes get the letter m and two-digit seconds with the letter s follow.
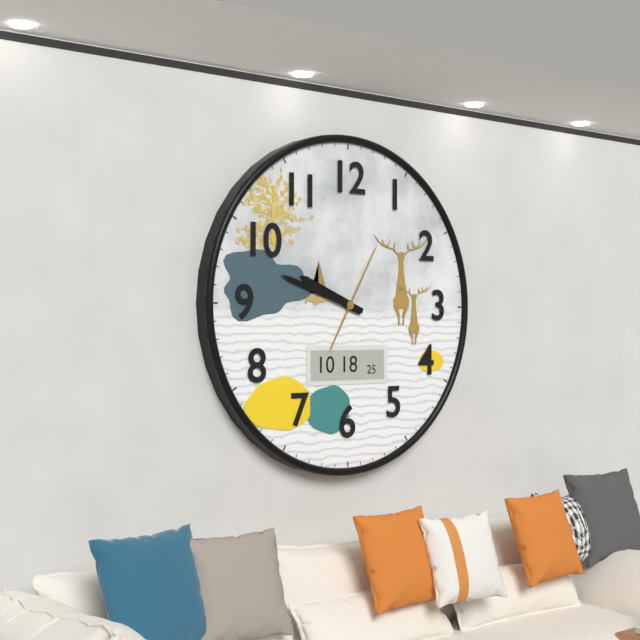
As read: 9h48m05s
